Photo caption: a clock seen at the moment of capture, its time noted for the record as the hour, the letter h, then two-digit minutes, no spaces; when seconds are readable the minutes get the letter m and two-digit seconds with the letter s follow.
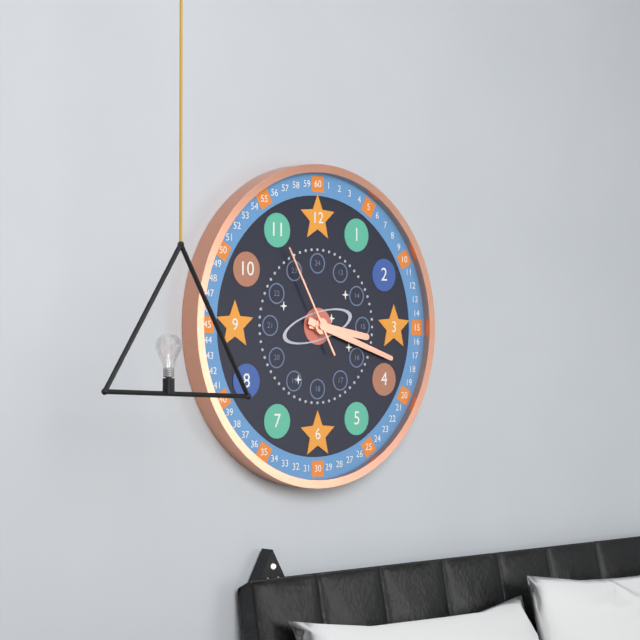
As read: 3h18m55s
